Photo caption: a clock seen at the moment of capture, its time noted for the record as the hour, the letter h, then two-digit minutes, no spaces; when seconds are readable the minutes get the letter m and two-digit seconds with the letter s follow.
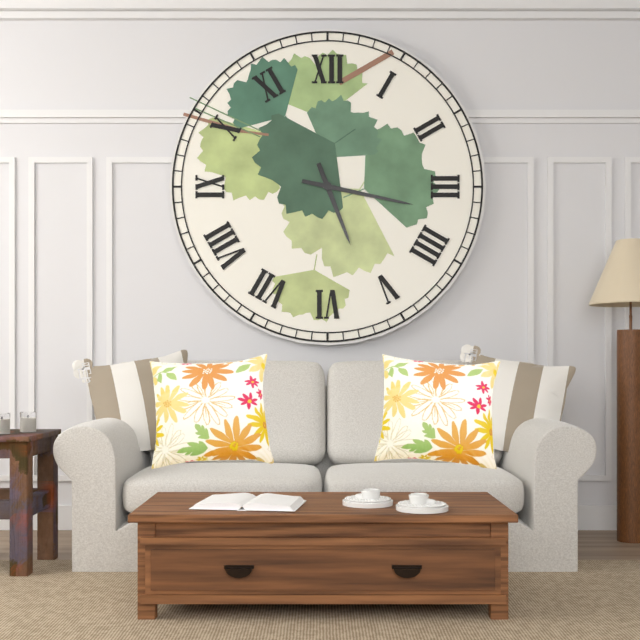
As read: 5h17
